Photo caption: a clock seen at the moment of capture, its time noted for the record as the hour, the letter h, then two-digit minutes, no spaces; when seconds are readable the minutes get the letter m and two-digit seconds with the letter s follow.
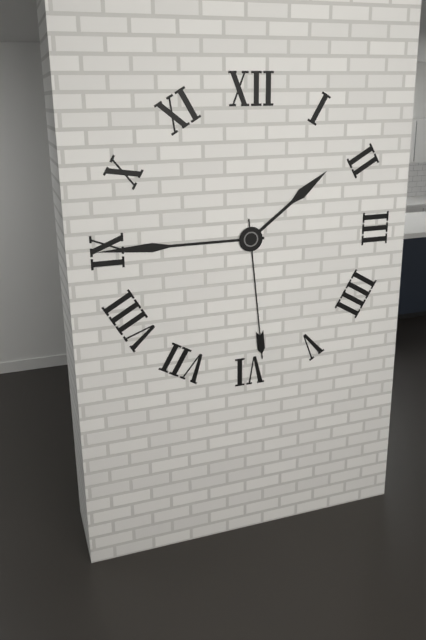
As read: 1h45m29s
